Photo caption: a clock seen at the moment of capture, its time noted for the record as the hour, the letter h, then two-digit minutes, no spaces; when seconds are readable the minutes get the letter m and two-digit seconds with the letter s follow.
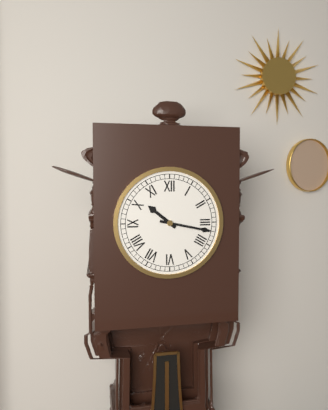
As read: 10h17
